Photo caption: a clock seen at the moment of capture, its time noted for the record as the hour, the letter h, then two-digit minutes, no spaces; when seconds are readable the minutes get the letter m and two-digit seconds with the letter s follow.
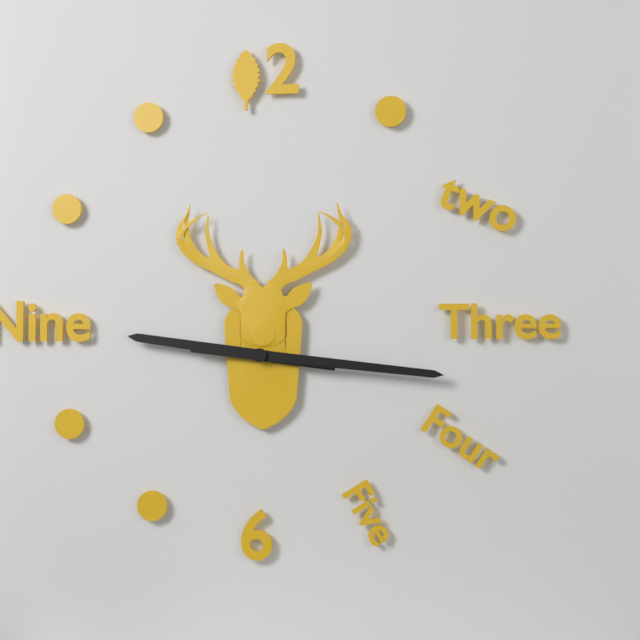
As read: 9h16
